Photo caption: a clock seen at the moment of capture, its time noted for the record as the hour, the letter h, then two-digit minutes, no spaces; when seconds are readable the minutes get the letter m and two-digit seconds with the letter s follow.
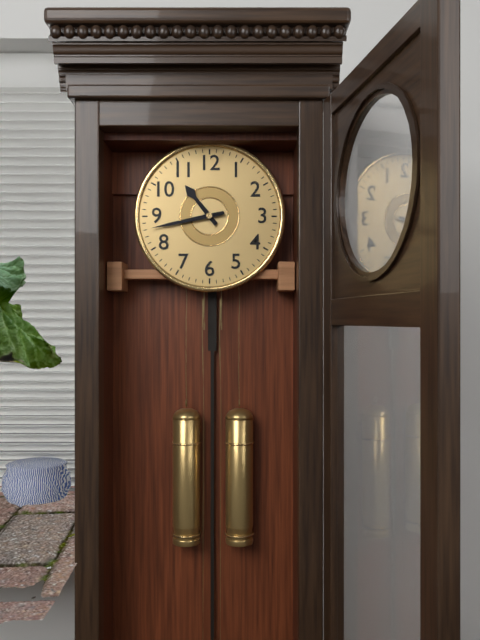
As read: 10h43
